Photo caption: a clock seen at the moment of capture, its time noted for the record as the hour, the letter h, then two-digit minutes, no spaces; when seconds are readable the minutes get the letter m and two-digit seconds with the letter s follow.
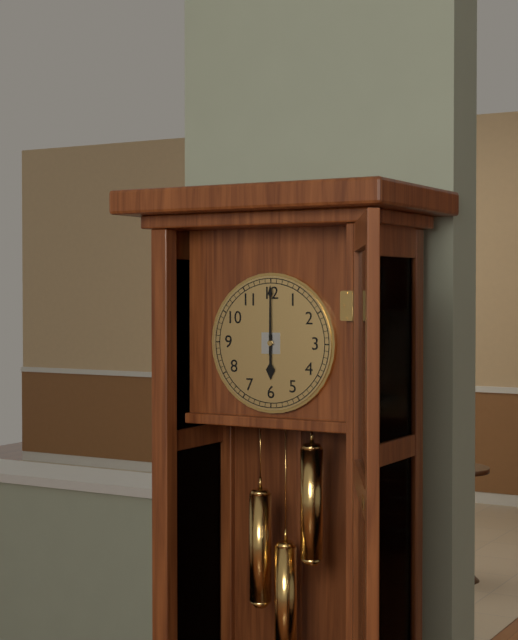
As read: 6h00
